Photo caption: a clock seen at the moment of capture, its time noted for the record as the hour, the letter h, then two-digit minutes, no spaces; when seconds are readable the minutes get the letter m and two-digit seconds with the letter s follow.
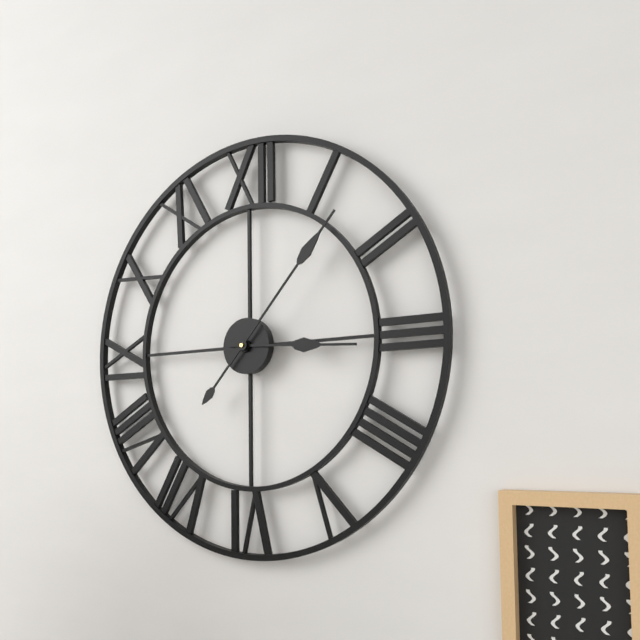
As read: 3h07
